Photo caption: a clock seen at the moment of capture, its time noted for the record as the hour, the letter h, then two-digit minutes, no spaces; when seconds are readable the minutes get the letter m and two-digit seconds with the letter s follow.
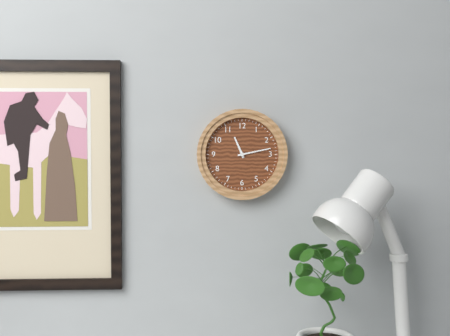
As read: 11h13
